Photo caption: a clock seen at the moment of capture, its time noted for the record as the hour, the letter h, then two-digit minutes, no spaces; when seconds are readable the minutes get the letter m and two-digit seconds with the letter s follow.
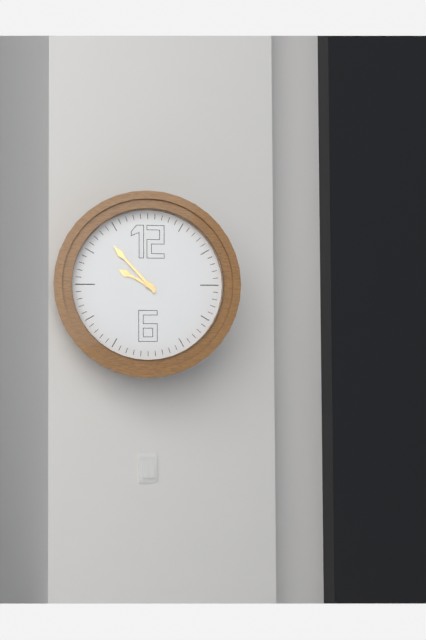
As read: 9h53
